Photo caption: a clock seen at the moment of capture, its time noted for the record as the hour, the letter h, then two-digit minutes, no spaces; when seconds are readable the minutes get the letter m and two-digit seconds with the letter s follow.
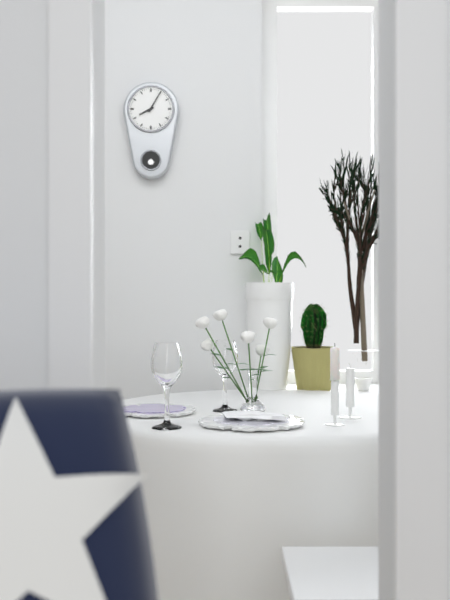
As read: 8h05
